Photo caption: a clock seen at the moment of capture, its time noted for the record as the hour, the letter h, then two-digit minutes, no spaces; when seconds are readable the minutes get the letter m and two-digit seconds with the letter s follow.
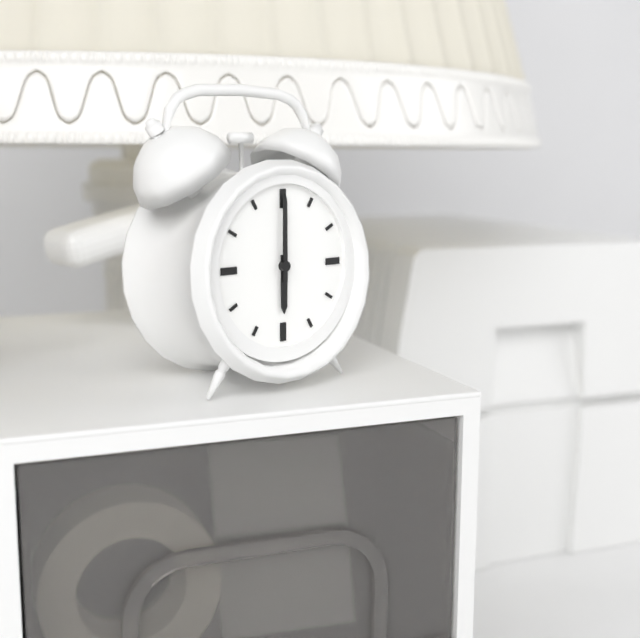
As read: 6h00
